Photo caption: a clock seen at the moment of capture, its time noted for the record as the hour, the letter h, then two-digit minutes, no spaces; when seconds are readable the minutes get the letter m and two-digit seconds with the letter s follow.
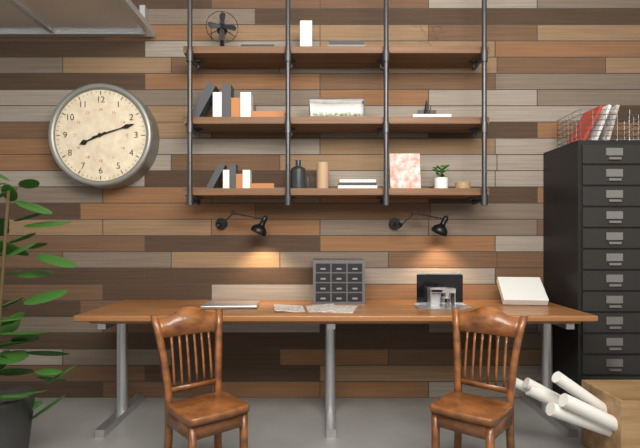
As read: 8h12
